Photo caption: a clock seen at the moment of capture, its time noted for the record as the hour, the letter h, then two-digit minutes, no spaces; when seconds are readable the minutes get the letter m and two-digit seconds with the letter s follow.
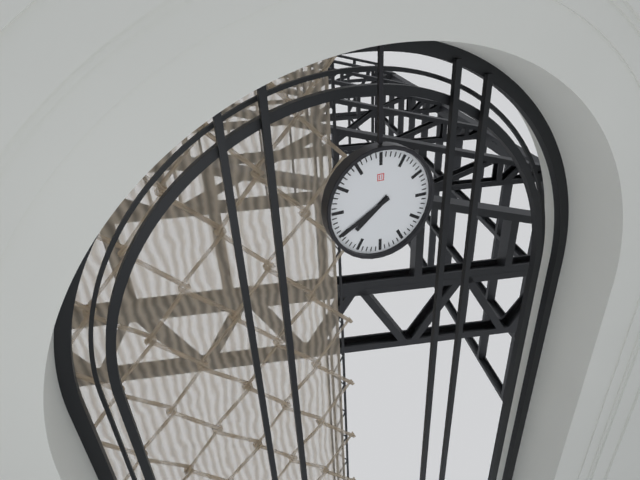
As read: 7h40
